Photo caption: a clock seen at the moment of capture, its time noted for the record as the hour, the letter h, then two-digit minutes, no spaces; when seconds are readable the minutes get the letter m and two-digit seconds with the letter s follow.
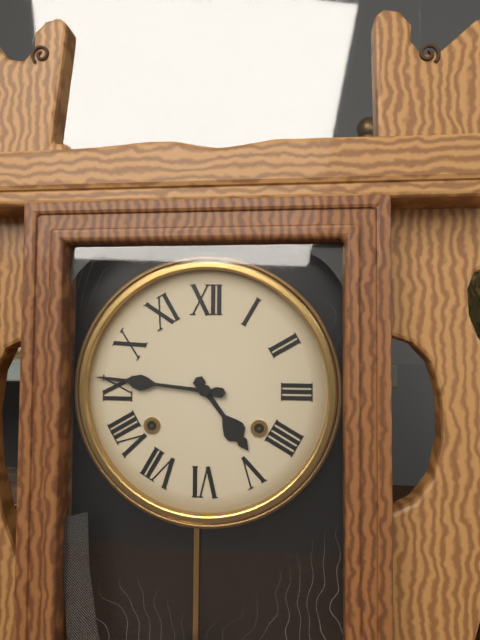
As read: 4h46
